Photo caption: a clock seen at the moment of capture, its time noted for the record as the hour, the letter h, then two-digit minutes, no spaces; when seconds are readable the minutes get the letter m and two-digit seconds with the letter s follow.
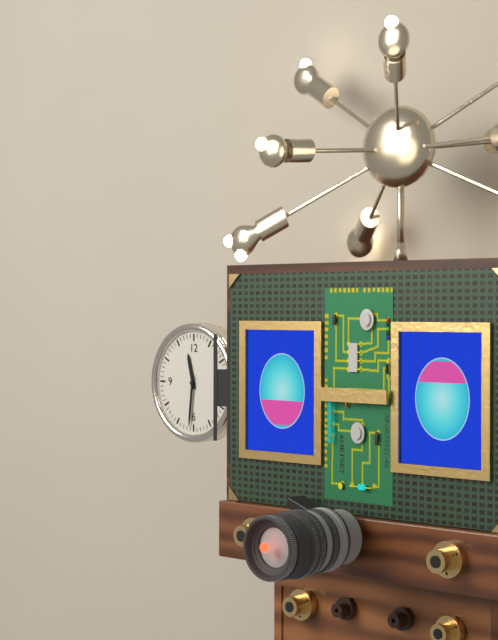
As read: 11h31
